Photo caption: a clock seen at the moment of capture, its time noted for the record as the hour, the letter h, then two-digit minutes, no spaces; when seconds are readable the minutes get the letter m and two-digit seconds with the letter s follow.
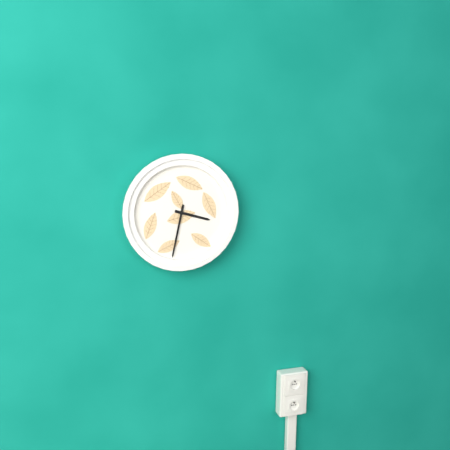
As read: 3h32
